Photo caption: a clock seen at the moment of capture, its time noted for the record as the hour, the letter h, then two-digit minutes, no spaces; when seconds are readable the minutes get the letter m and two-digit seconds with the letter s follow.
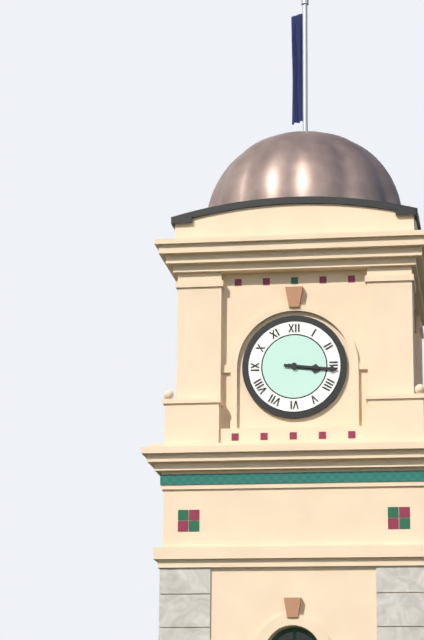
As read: 3h16
